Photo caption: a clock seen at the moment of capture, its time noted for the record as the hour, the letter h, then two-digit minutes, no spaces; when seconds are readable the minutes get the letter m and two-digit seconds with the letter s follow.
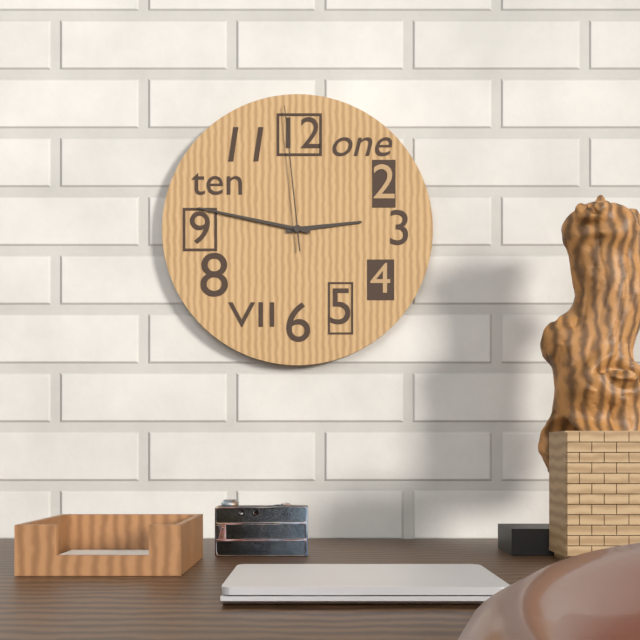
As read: 2h47m59s
